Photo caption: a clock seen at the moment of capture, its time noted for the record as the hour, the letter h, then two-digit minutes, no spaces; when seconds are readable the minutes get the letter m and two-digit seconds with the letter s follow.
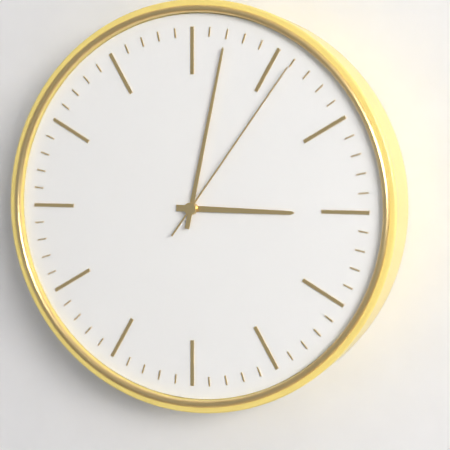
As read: 3h02m06s
